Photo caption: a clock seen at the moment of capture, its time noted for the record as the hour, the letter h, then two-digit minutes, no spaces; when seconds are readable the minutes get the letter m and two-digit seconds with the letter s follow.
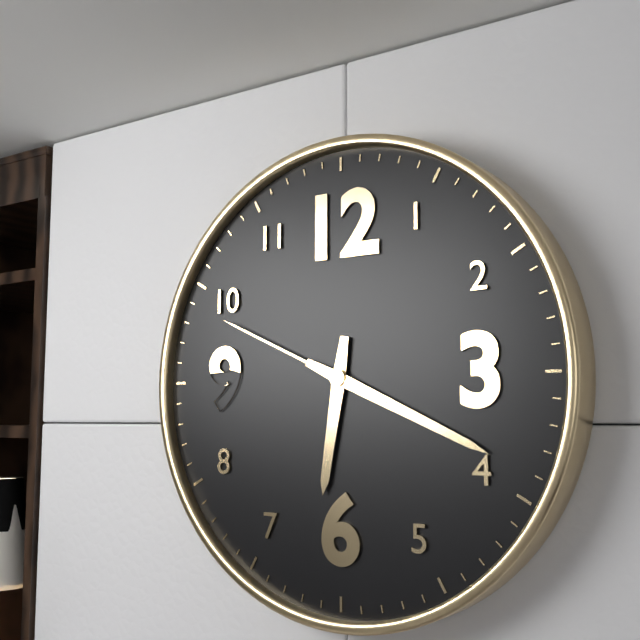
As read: 6h19m49s
